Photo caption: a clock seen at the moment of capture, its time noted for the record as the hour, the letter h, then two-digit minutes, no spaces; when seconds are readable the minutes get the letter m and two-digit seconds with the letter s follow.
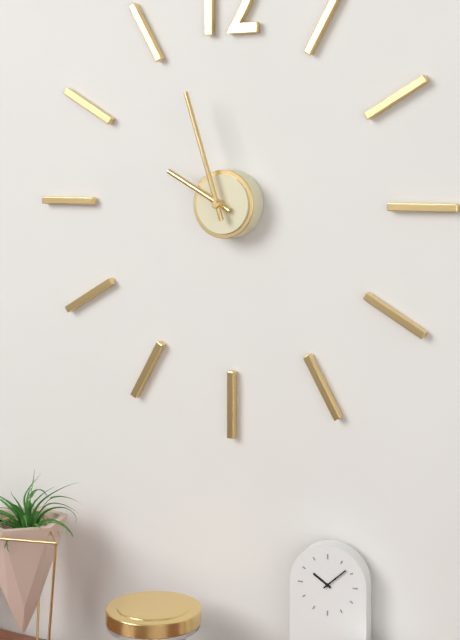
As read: 9h57
